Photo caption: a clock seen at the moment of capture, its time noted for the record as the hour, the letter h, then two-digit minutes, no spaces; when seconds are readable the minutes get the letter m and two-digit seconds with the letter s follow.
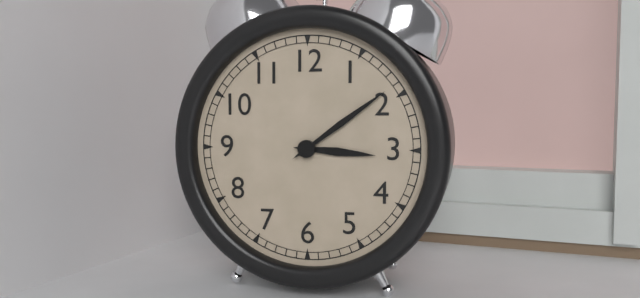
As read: 3h09
